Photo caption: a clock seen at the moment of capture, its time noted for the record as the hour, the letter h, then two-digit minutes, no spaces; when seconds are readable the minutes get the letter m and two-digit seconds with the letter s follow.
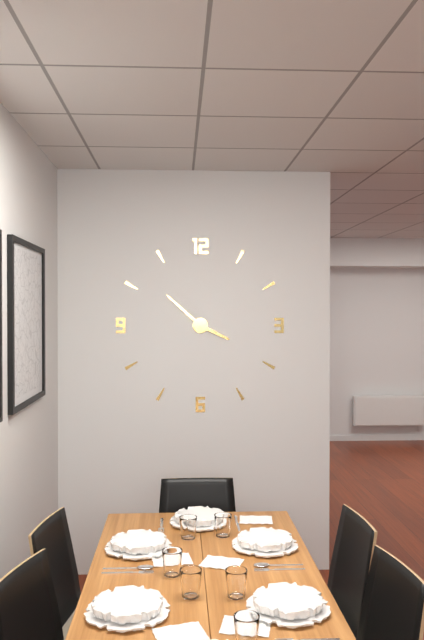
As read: 3h52
